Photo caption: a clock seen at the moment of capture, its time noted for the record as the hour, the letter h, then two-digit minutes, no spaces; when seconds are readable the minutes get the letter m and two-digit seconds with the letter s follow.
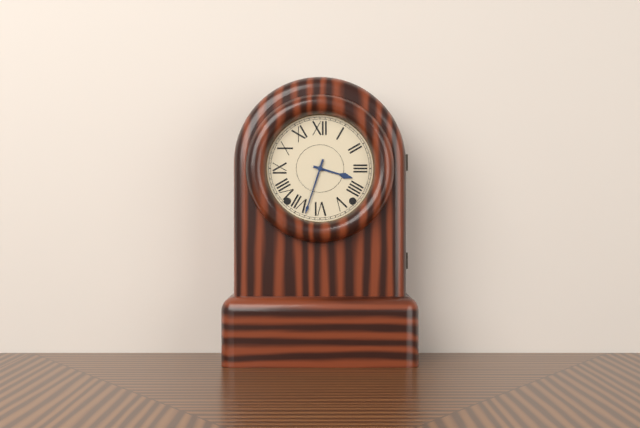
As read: 3h33
